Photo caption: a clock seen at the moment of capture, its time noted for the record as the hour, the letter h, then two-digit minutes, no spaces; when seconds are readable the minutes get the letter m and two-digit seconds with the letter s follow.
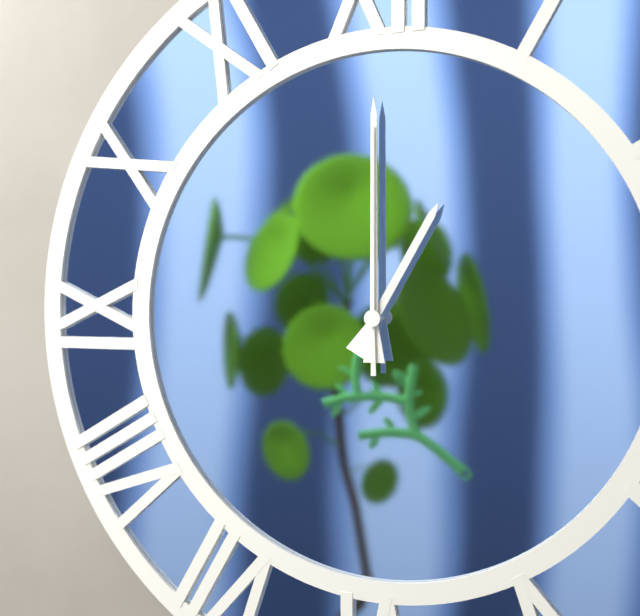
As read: 1h00m00s
